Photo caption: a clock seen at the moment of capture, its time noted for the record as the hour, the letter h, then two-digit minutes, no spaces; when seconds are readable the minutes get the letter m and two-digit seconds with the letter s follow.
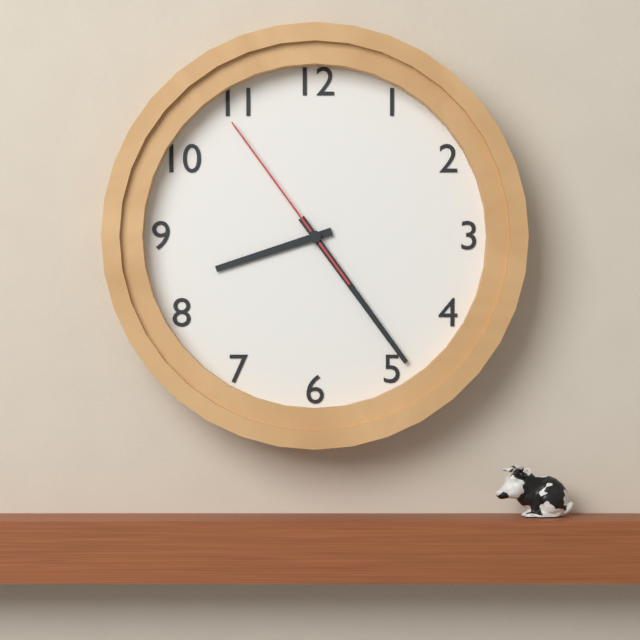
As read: 8h24m54s
